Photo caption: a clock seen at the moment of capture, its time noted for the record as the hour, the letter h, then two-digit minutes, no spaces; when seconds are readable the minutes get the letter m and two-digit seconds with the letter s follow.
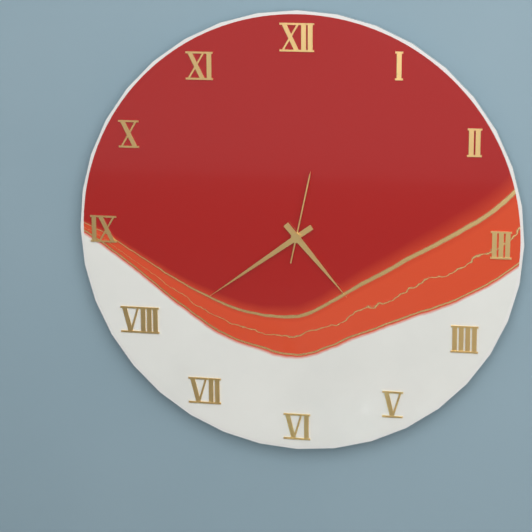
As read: 4h39m02s
